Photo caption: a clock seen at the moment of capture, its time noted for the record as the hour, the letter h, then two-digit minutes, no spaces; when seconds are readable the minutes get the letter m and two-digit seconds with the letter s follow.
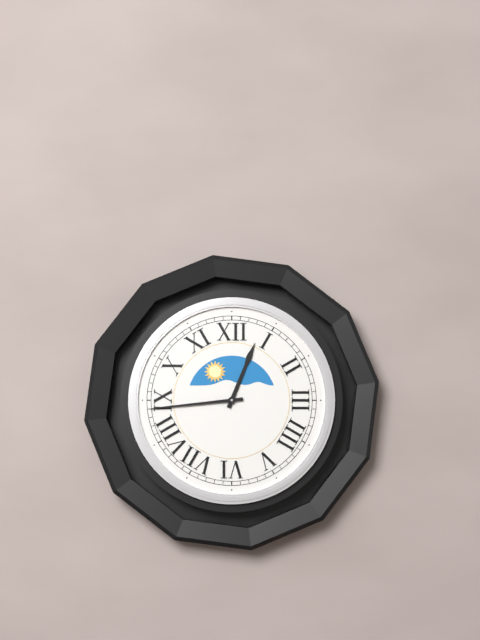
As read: 12h44
